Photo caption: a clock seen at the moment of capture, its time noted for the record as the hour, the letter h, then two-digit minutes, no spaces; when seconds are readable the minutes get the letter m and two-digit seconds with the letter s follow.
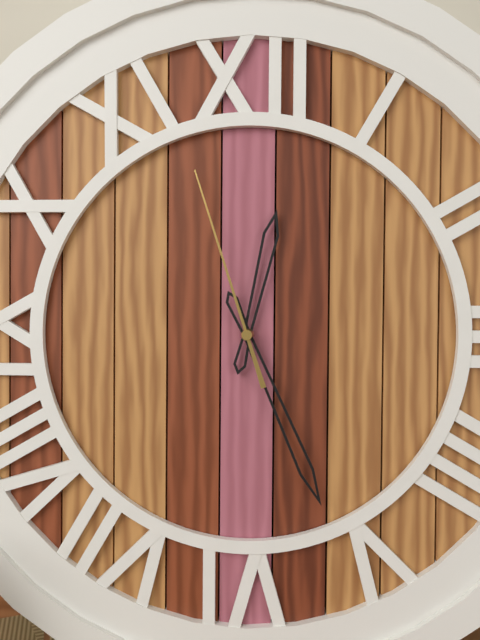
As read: 12h26m57s
